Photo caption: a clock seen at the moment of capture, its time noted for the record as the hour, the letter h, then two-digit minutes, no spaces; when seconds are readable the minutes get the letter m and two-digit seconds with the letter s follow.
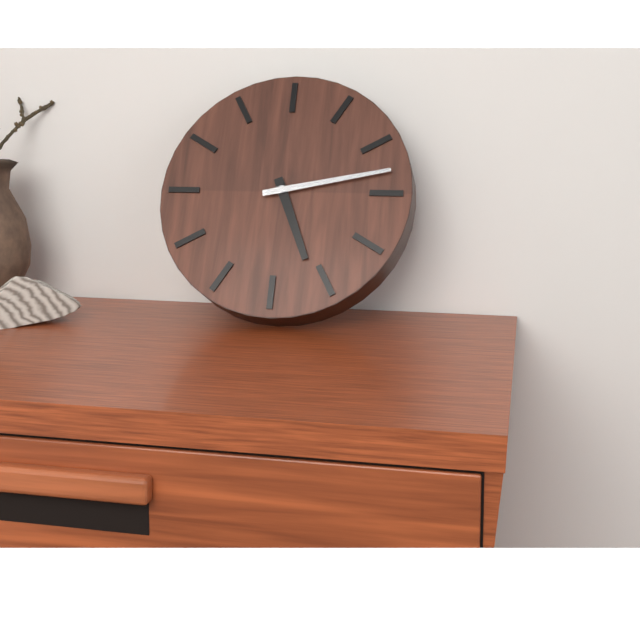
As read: 5h13
